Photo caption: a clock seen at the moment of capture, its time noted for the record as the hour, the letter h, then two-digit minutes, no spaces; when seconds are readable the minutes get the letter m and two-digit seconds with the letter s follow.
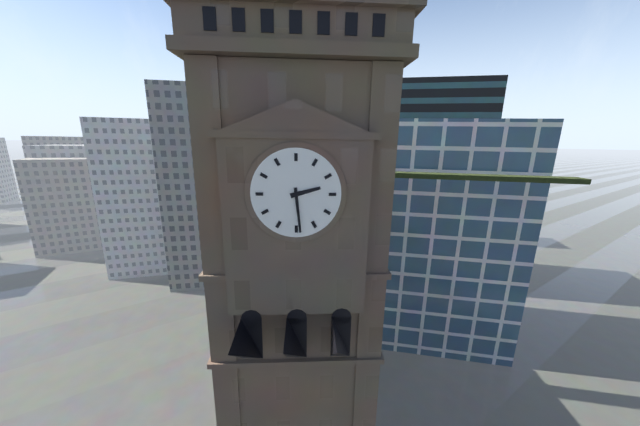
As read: 2h29
